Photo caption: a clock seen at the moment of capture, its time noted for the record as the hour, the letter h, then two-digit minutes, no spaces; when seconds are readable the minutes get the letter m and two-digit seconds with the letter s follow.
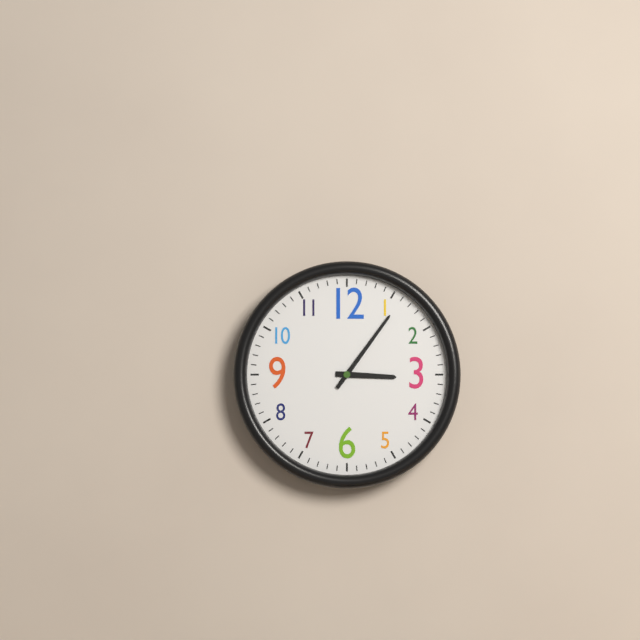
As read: 3h06
